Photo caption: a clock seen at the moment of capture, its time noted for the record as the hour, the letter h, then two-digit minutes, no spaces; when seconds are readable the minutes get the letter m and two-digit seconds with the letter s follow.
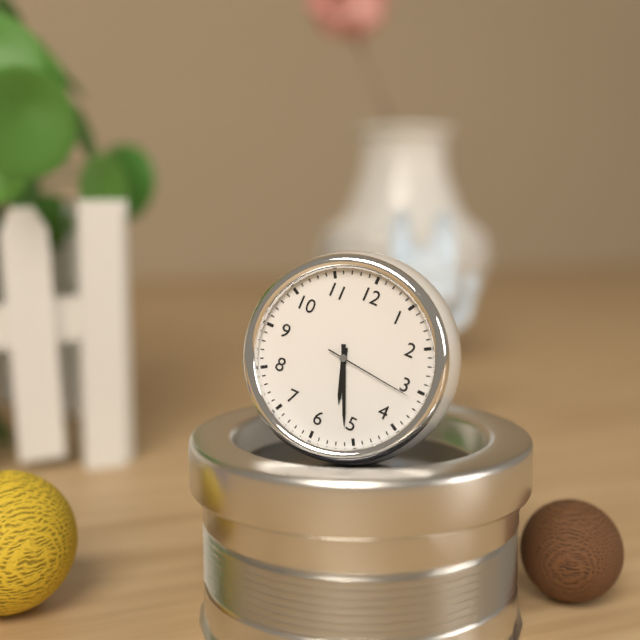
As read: 5h26m16s
